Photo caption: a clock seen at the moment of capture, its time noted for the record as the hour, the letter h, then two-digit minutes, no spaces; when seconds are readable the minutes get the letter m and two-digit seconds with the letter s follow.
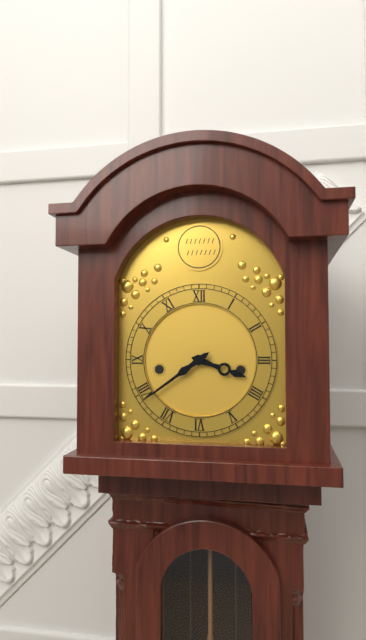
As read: 3h39
